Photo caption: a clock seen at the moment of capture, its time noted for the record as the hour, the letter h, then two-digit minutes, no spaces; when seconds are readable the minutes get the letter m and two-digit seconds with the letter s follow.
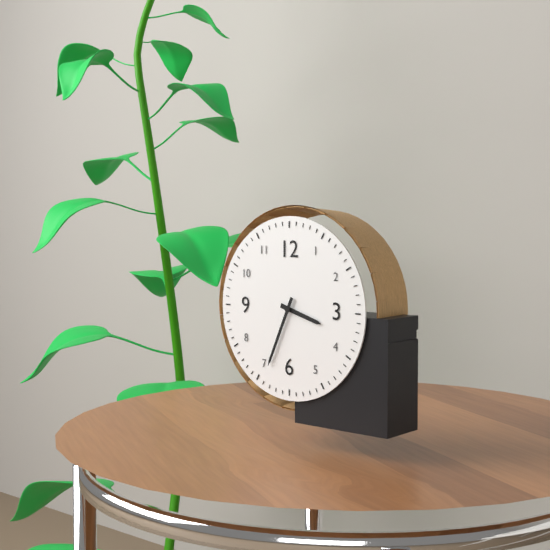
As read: 3h34
